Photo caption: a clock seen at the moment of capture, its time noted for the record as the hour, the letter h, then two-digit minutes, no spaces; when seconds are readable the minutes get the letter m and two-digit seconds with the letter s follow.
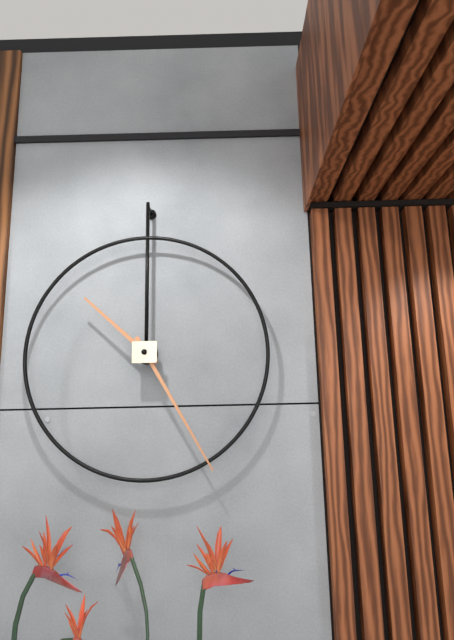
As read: 10h25
